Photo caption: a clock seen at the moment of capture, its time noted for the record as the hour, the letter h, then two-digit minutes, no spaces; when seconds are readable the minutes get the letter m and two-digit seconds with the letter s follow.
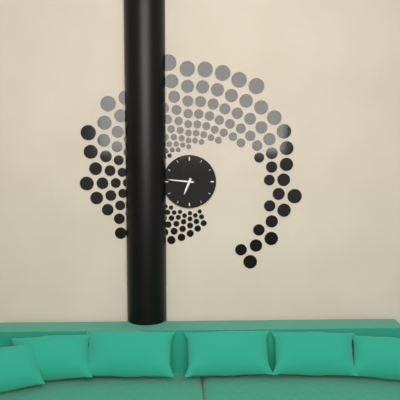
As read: 6h46
